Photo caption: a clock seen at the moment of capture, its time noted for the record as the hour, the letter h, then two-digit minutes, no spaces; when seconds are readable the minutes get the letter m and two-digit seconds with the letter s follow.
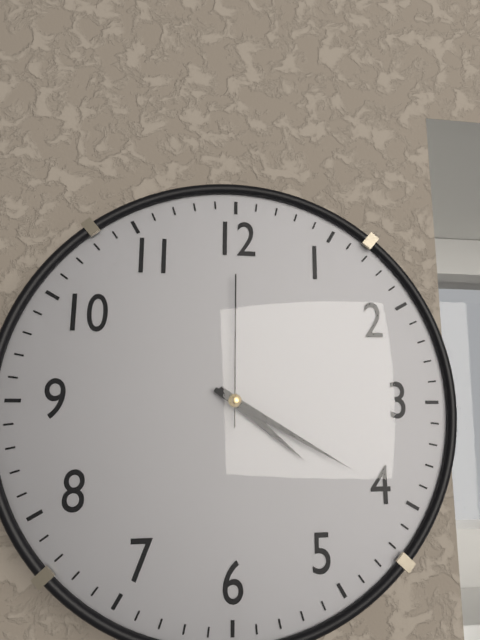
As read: 4h20m00s
